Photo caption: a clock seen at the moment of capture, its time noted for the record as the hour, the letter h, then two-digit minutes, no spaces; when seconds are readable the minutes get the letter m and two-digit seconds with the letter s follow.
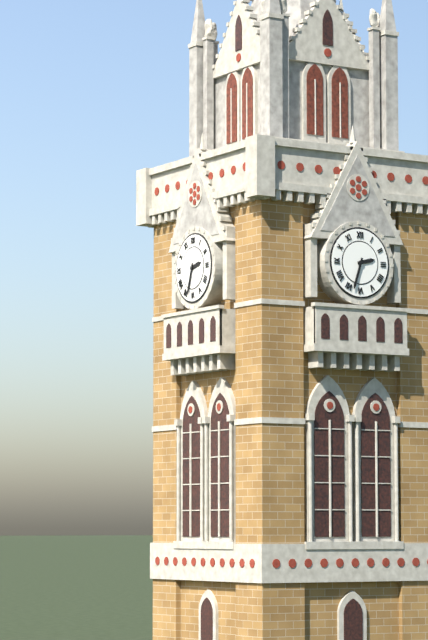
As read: 2h33
